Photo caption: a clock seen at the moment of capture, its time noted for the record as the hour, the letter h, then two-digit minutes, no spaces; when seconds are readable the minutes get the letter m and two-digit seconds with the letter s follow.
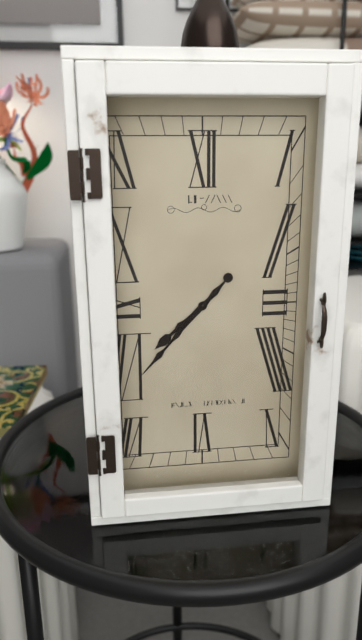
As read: 7h37
